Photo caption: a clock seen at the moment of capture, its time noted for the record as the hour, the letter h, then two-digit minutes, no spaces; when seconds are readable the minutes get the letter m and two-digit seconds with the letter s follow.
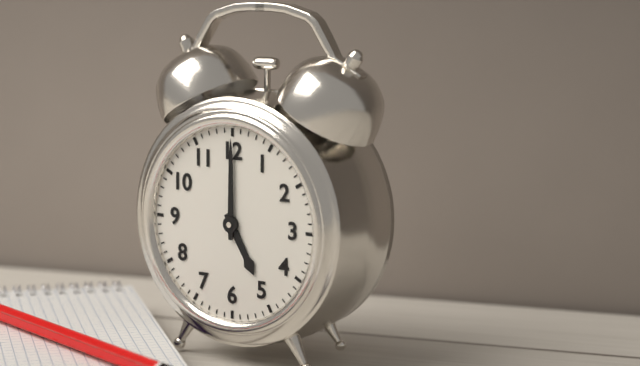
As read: 5h00
